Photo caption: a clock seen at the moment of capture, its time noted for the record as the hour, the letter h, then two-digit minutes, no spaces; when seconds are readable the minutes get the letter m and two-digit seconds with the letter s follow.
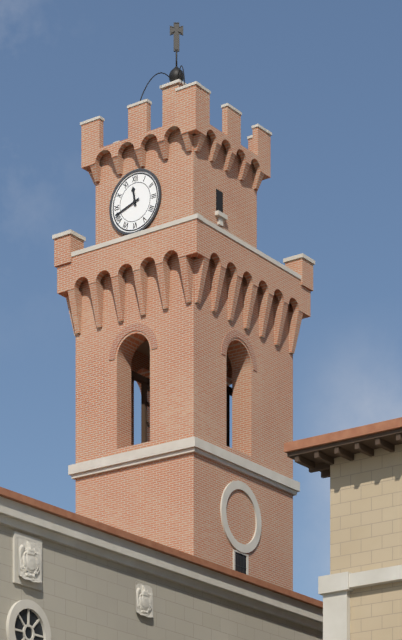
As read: 11h42
